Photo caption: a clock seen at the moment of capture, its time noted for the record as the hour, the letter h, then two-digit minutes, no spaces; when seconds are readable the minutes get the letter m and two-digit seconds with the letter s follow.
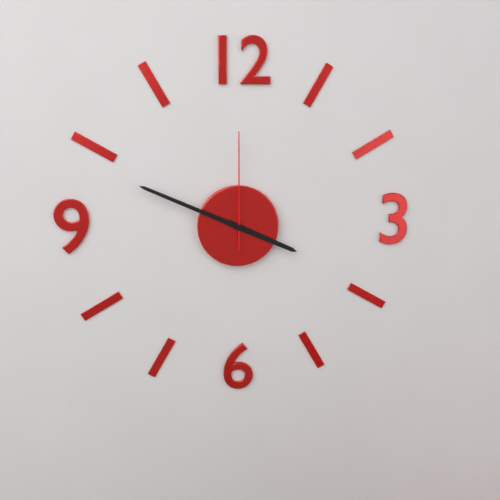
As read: 3h49m00s
